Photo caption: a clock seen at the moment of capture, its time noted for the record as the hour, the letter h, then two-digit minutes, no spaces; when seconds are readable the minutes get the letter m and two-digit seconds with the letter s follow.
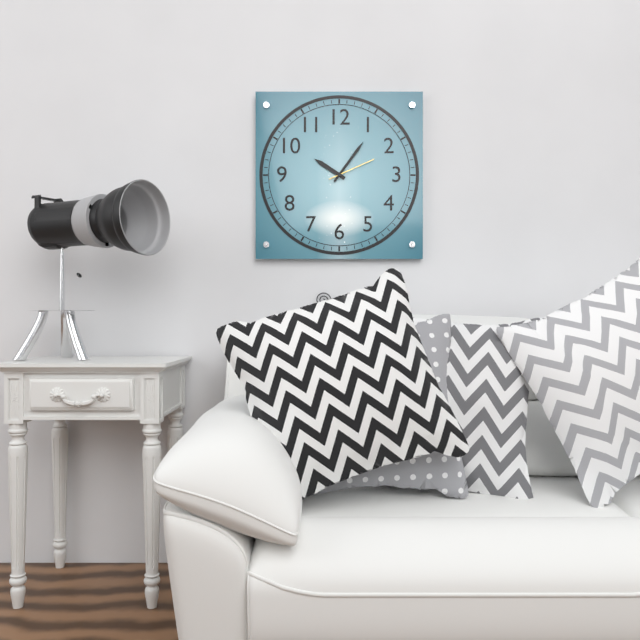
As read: 10h06
